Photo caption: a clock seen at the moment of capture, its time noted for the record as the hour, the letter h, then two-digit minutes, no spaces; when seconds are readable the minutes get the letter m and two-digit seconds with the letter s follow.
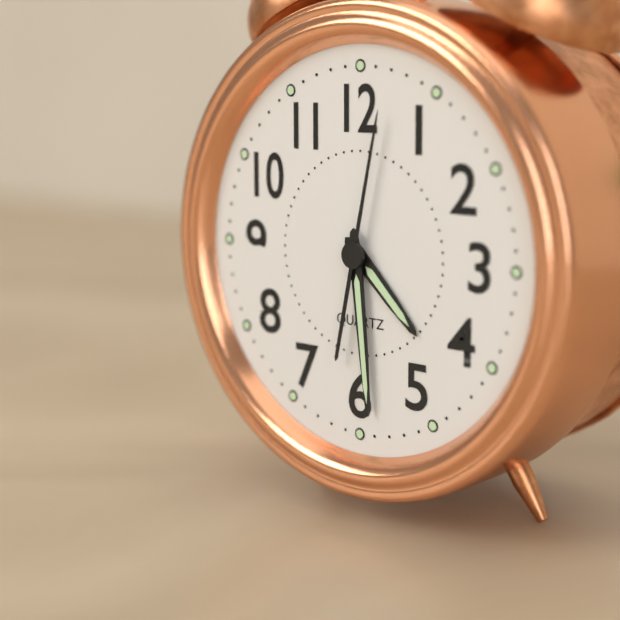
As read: 4h29m02s
